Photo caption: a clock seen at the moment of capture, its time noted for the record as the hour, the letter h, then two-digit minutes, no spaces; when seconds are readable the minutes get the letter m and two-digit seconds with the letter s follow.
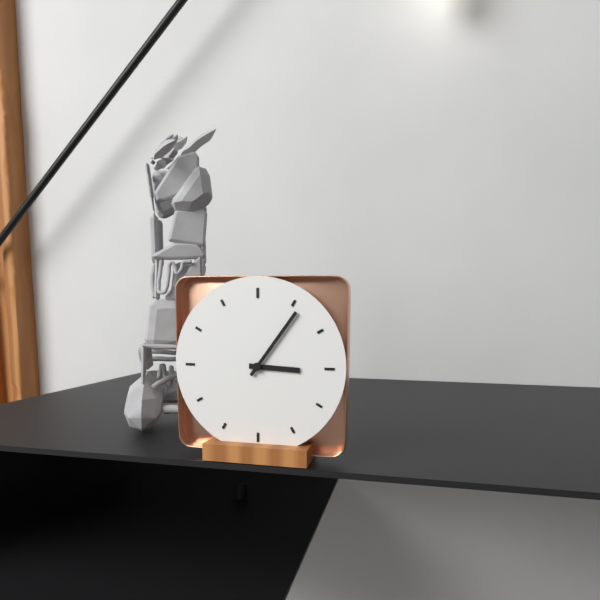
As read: 3h06
